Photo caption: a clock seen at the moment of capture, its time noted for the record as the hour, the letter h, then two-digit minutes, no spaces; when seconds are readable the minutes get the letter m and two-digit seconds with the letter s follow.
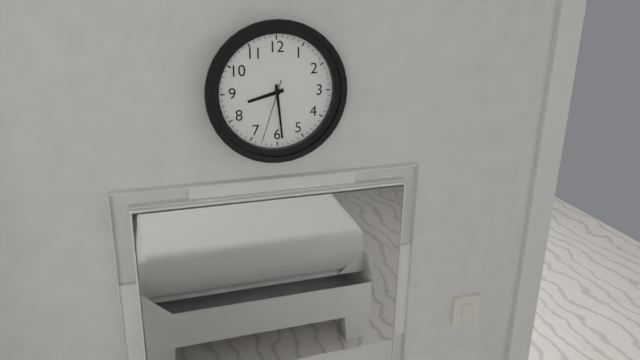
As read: 8h29m33s
